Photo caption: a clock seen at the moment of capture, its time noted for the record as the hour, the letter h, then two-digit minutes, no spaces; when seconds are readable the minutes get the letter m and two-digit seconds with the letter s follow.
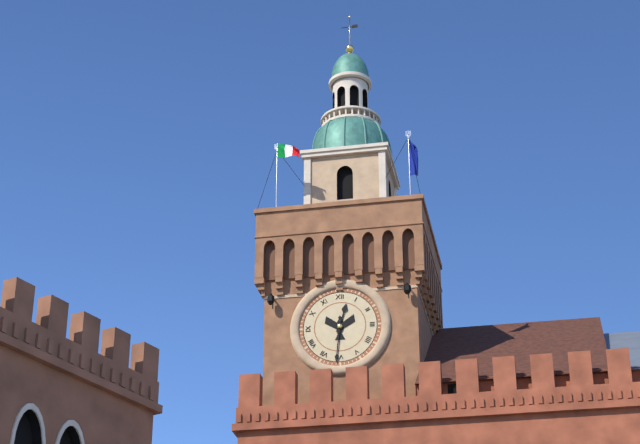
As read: 12h31
